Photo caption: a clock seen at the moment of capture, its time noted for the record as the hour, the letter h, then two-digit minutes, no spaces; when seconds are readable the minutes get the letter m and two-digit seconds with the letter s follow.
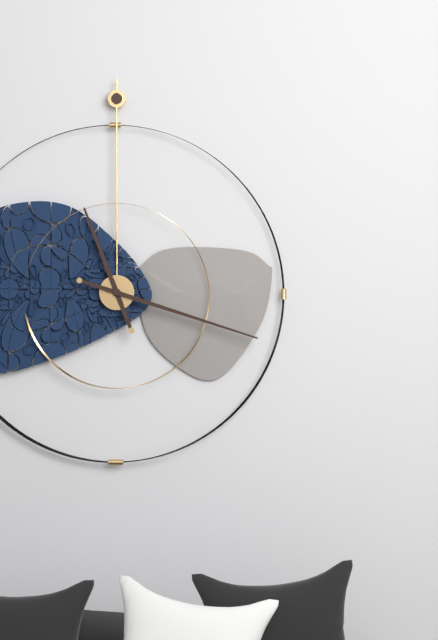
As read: 11h18
